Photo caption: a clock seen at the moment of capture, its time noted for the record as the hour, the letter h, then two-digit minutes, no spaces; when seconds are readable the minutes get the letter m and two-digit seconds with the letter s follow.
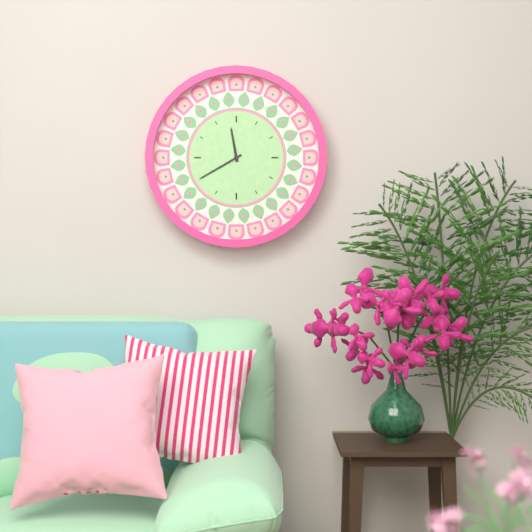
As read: 11h40
